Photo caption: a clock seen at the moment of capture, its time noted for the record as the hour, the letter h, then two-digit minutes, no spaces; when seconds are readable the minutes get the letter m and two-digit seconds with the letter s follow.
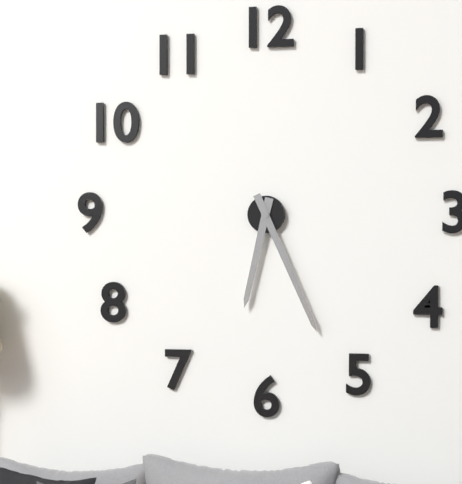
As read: 6h26
